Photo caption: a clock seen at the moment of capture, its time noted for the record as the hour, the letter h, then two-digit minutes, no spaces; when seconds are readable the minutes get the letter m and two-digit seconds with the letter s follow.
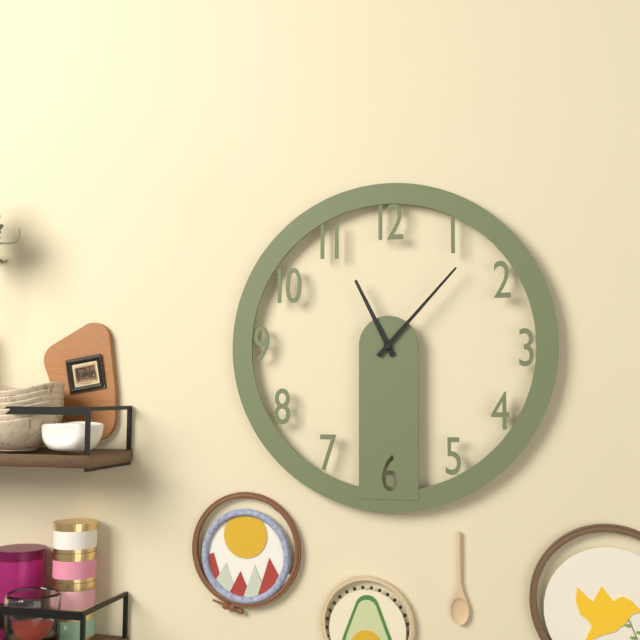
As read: 11h07
